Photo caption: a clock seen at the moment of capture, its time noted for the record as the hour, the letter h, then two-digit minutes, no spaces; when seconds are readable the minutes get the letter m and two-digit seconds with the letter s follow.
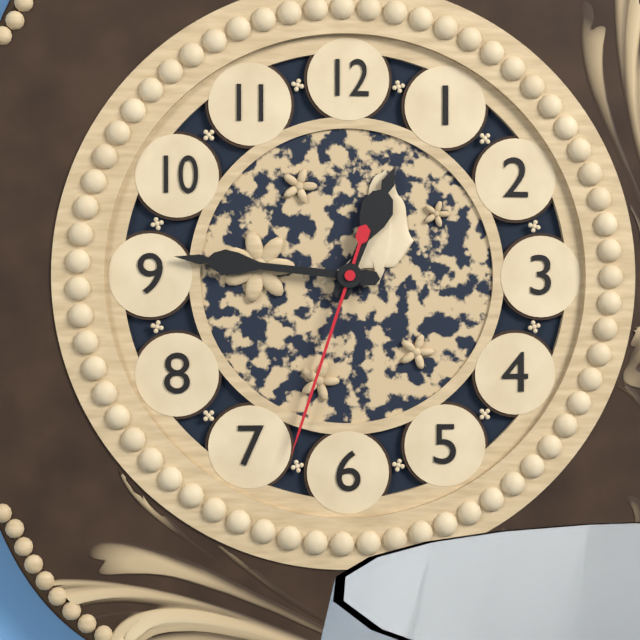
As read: 12h46m33s
